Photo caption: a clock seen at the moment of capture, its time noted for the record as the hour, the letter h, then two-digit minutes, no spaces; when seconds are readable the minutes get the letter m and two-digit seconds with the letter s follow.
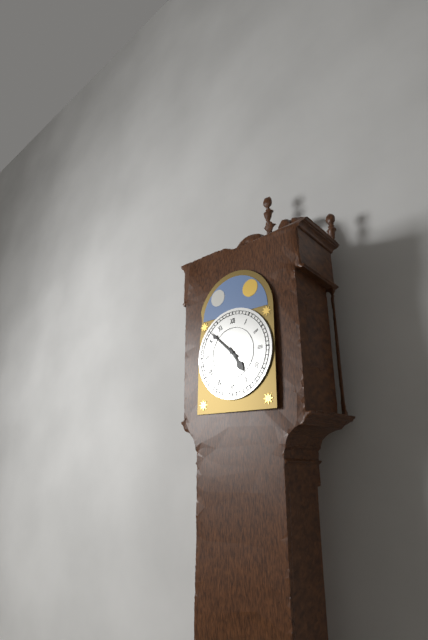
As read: 4h52
